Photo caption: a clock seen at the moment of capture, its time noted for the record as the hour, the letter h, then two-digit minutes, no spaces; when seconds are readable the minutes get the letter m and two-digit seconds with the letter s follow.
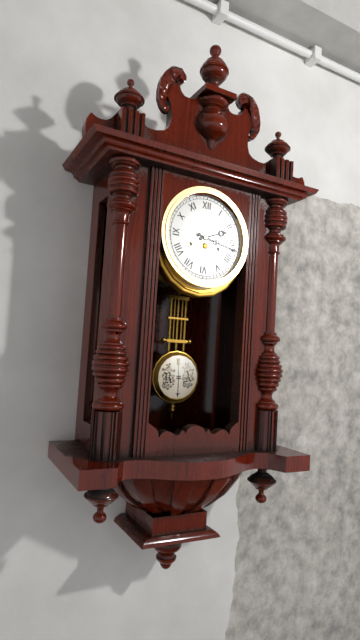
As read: 2h17
